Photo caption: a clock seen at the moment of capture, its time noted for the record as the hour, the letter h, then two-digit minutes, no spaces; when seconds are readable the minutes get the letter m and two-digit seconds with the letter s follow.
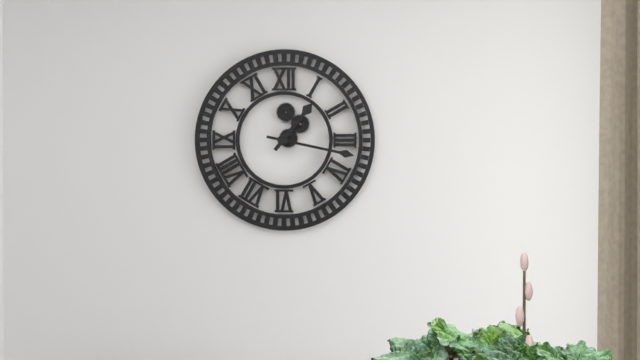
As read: 1h17
